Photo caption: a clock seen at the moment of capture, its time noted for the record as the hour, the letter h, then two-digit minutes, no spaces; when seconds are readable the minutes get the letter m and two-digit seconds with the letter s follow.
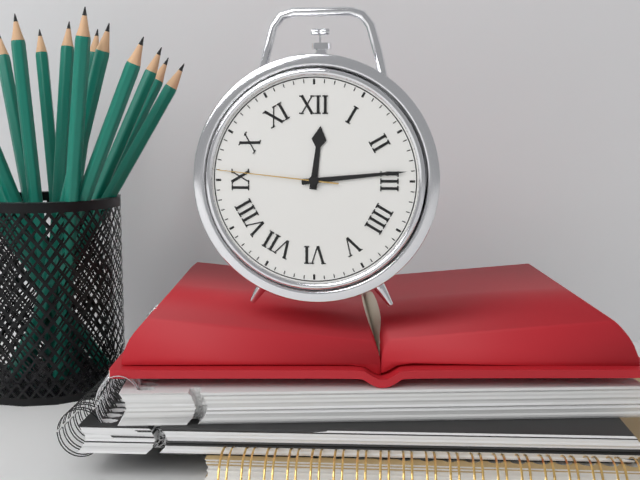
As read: 12h14m46s
